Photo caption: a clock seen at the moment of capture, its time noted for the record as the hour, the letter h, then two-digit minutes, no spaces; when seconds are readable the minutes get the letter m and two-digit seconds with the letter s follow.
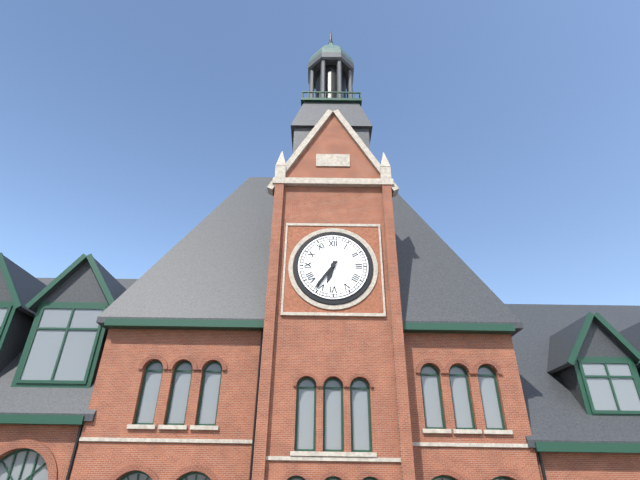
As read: 6h36
